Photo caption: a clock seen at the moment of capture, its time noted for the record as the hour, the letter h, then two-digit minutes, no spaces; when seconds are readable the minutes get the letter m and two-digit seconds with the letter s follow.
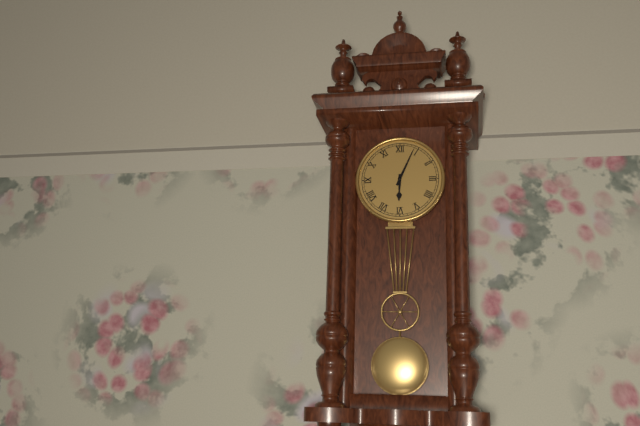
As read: 6h04
